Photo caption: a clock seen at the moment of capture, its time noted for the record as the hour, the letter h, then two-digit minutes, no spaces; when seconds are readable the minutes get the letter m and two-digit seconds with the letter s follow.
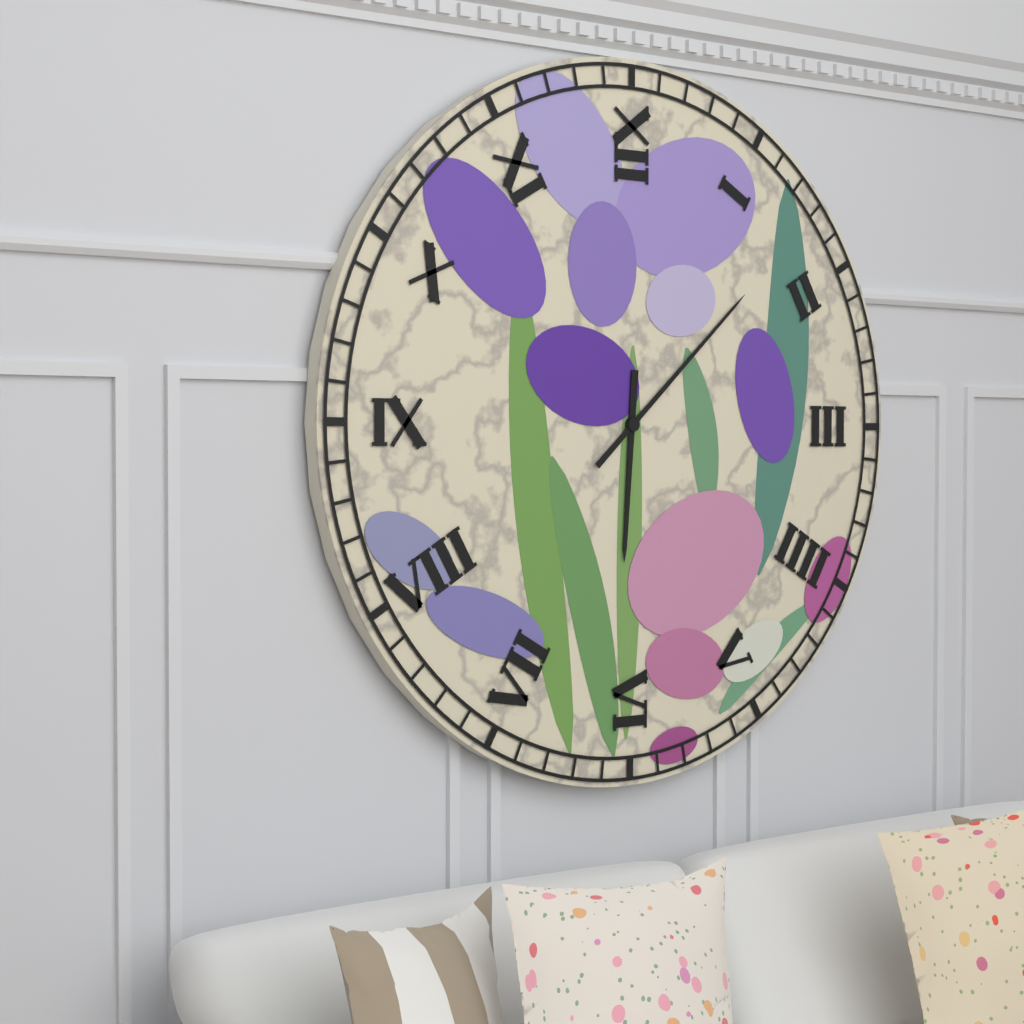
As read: 6h08
